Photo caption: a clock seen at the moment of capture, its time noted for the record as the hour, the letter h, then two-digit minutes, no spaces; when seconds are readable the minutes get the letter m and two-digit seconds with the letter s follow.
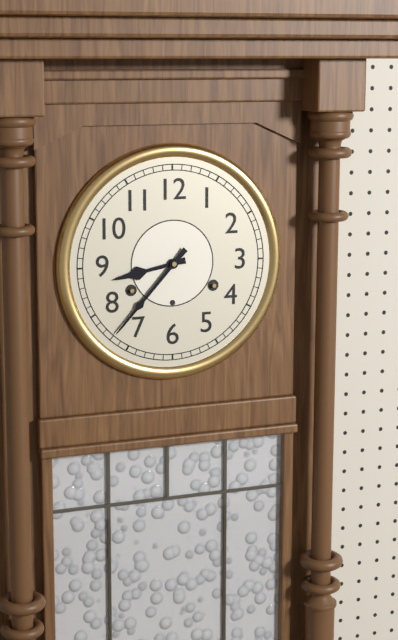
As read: 8h37
